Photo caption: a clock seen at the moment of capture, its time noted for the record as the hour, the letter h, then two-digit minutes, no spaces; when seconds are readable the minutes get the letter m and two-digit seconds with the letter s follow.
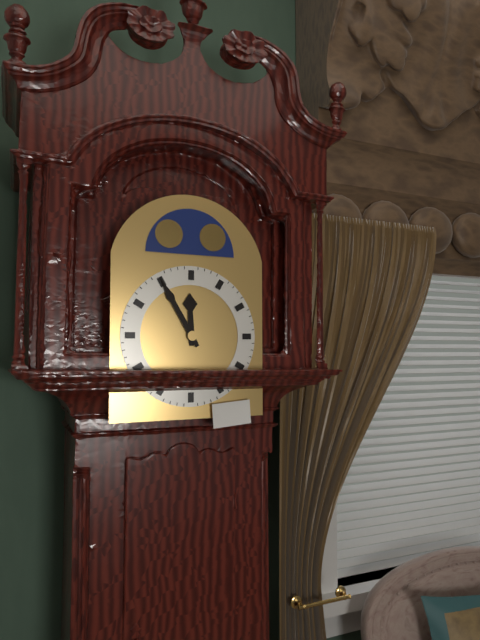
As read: 11h55
